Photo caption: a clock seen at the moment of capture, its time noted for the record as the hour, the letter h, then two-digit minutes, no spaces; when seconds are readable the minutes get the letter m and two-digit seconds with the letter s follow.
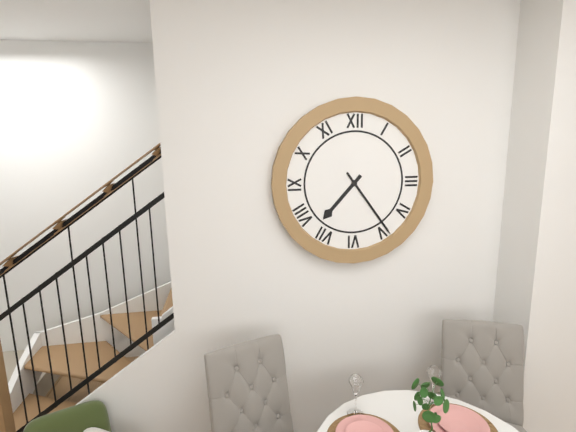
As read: 7h24
